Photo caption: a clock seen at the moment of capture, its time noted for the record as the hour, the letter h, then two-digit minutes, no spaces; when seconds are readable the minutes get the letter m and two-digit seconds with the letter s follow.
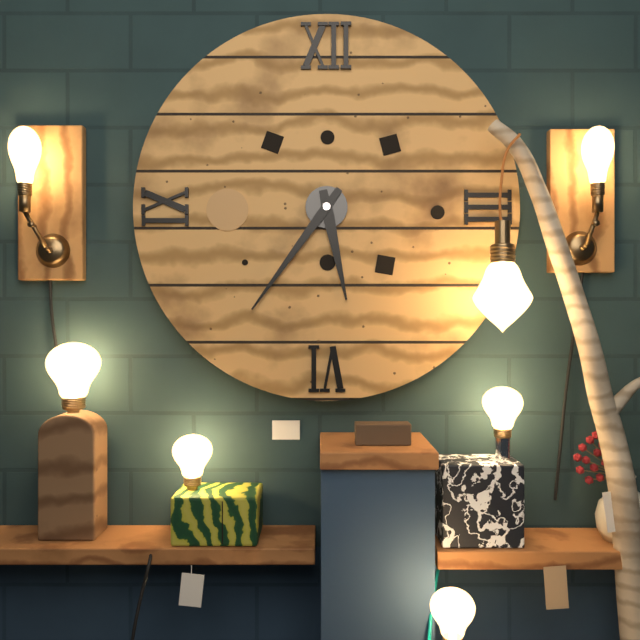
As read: 5h36
